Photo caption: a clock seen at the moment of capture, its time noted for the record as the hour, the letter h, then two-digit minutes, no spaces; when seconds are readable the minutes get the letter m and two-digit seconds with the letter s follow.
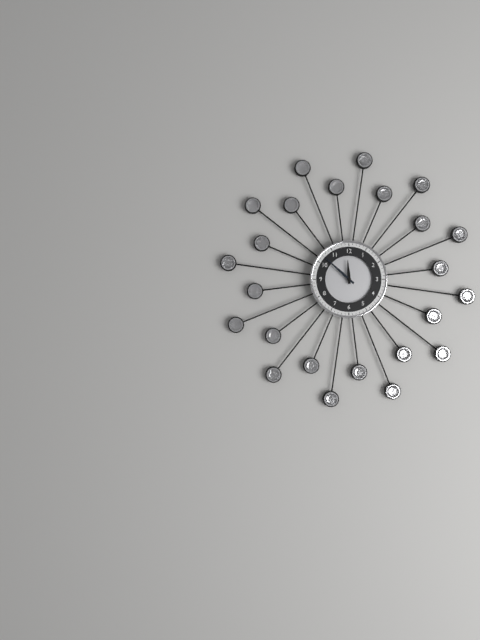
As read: 11h52
